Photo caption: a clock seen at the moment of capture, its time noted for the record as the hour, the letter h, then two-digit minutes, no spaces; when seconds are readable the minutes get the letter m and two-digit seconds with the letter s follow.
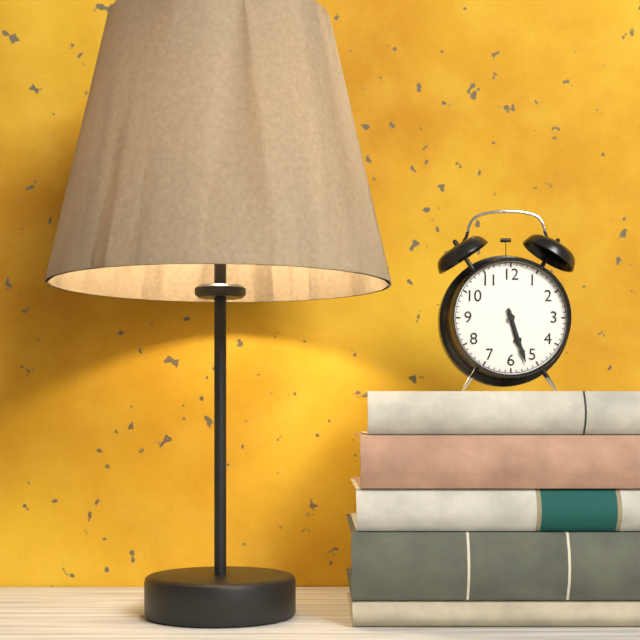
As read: 5h27
